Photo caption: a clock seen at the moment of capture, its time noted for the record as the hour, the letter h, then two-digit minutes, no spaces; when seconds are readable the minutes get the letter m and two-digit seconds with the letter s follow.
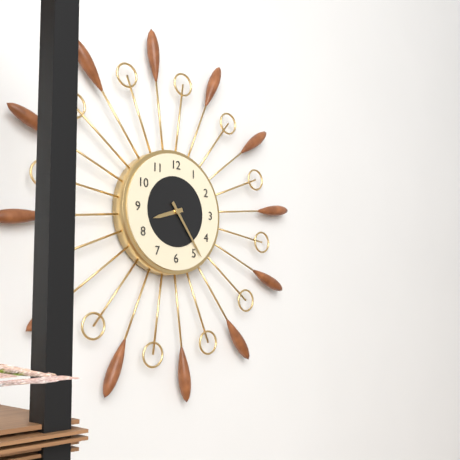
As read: 8h24
